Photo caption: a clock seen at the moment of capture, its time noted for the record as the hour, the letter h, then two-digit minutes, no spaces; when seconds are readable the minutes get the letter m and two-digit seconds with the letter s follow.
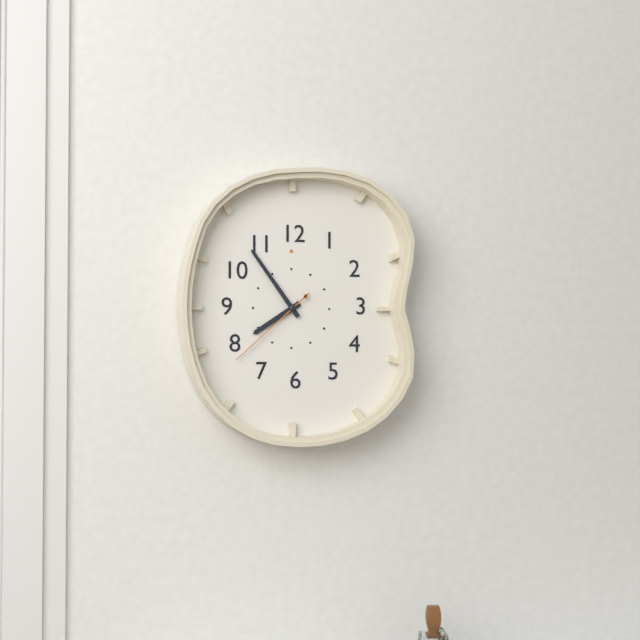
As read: 7h54m38s
